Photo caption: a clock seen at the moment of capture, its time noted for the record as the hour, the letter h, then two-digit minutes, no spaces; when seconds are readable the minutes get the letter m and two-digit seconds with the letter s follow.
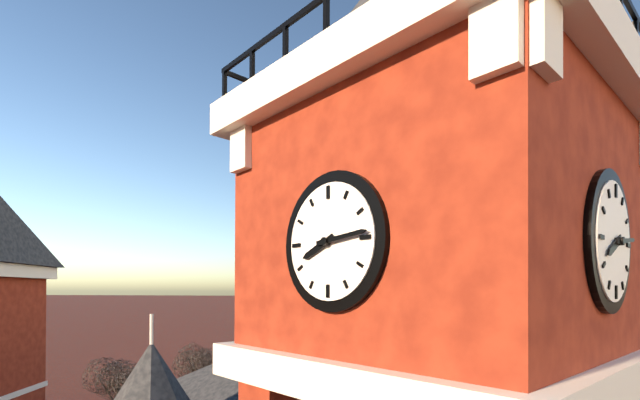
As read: 8h14
